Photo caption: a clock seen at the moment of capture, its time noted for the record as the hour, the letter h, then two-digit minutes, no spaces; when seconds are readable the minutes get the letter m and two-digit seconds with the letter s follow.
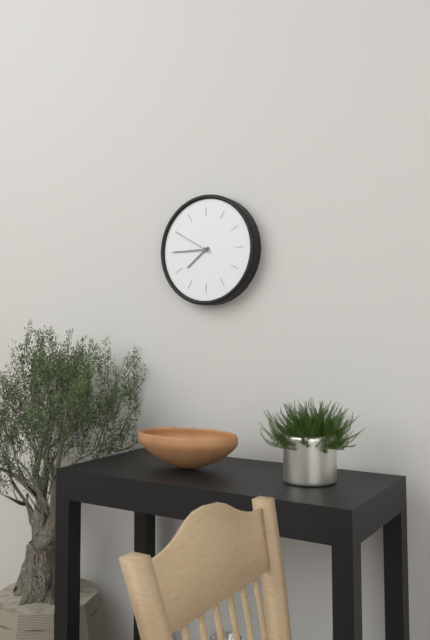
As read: 7h45
